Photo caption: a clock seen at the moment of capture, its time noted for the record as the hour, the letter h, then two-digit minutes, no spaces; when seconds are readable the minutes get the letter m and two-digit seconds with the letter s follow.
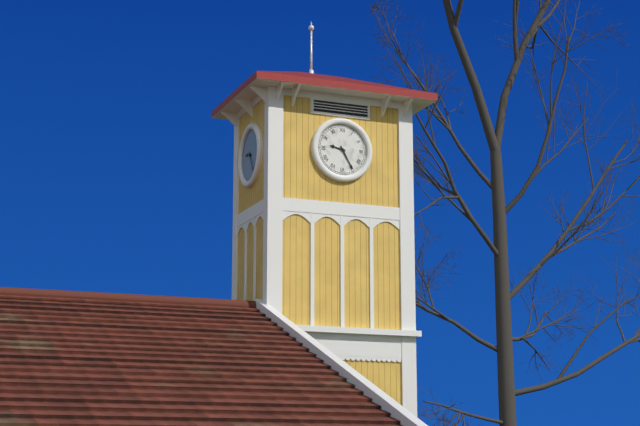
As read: 9h25
